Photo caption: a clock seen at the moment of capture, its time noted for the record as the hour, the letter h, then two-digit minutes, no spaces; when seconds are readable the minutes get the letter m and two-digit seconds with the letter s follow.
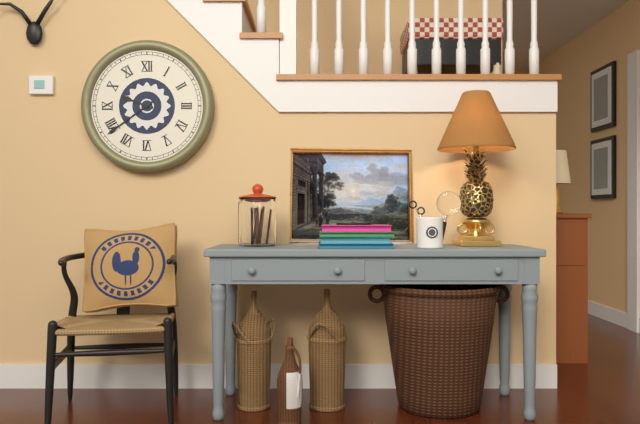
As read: 9h39
